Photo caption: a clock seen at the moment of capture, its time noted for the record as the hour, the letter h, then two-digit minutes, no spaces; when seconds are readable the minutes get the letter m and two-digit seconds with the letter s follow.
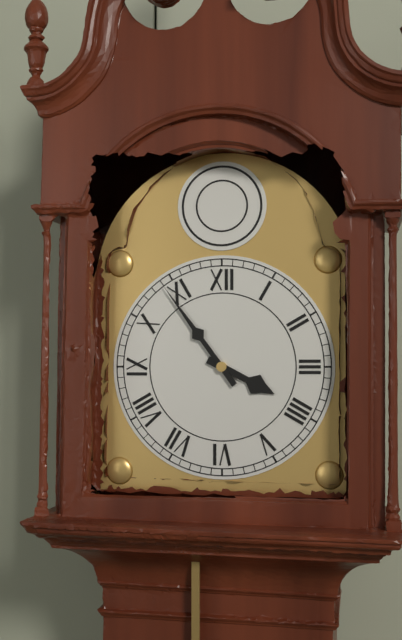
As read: 3h54
